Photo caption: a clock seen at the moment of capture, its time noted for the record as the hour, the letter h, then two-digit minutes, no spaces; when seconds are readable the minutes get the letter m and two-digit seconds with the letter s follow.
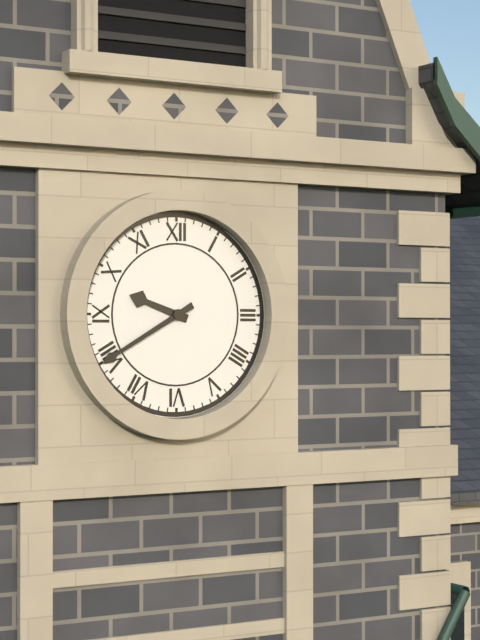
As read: 9h40
